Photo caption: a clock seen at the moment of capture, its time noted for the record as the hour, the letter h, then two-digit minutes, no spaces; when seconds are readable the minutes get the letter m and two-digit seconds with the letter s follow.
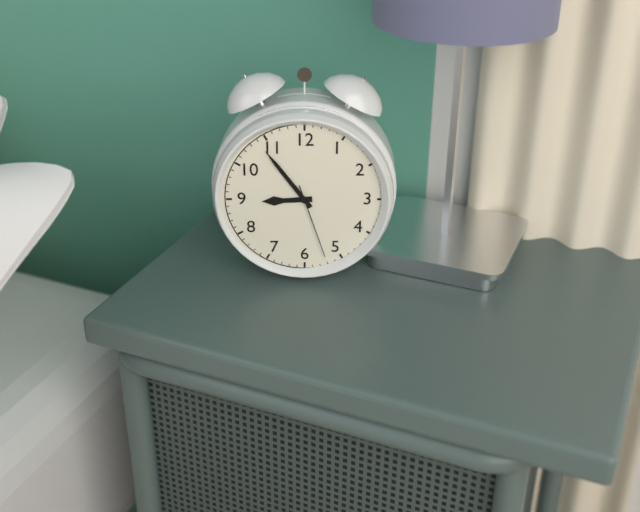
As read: 8h54m27s
